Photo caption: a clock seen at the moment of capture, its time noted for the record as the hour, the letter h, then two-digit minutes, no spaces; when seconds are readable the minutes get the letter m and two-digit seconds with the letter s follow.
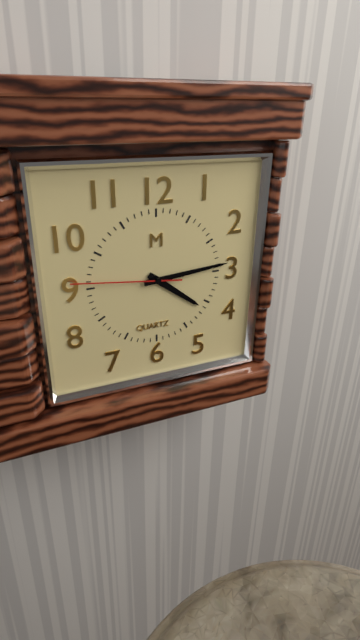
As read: 4h14m46s
